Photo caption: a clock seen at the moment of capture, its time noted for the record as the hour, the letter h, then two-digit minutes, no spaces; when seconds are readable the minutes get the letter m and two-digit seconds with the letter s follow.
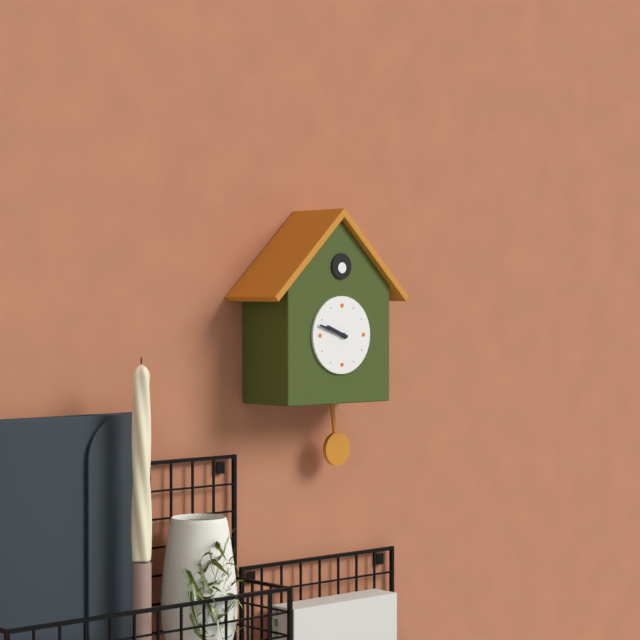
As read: 9h48
